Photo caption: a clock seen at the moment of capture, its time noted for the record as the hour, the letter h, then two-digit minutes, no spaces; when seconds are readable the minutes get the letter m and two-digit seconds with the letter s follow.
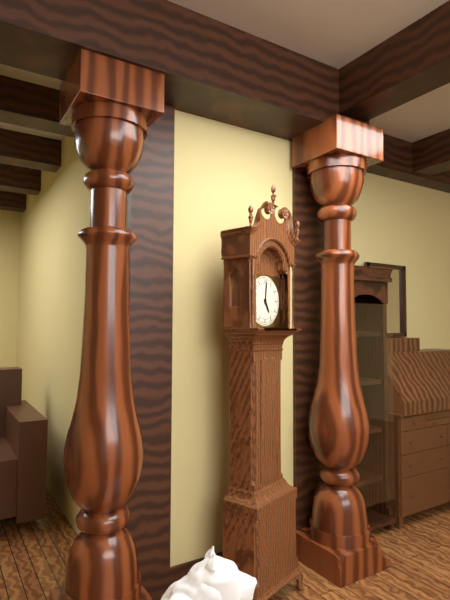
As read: 5h01
